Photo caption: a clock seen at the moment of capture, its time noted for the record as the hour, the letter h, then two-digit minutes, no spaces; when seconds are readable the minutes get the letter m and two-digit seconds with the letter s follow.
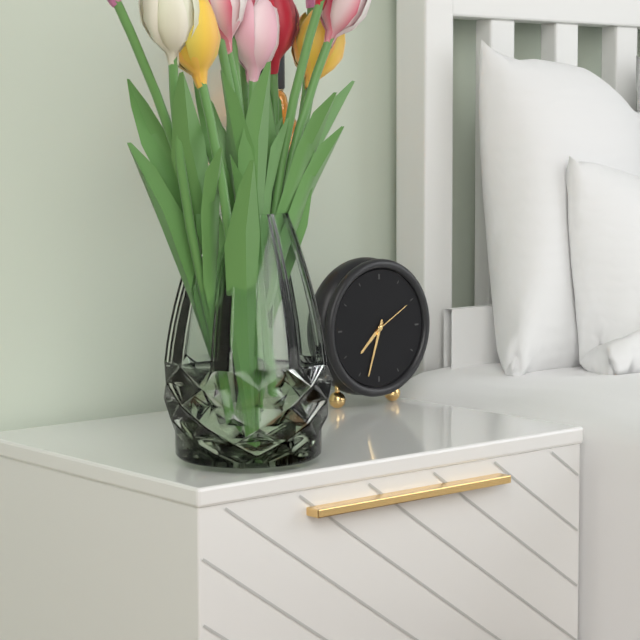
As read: 7h33
